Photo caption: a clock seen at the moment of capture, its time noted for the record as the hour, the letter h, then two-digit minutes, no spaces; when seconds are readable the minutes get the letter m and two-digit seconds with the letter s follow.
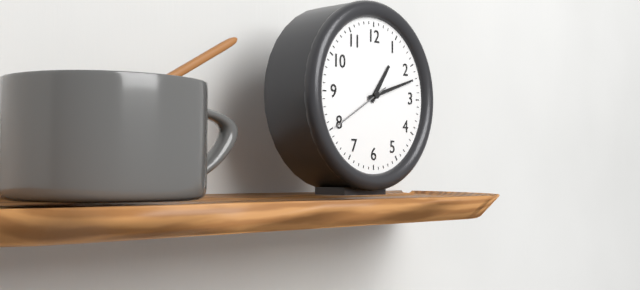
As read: 1h12m40s
